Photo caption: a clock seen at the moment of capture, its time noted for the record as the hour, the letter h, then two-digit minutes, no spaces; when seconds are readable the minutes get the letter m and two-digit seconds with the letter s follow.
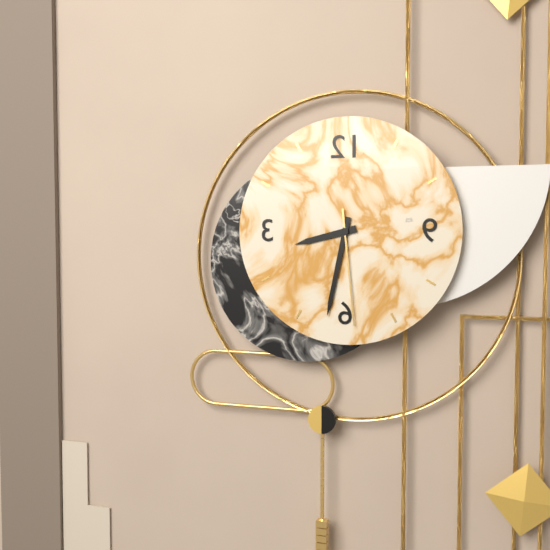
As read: 8h32m29s
